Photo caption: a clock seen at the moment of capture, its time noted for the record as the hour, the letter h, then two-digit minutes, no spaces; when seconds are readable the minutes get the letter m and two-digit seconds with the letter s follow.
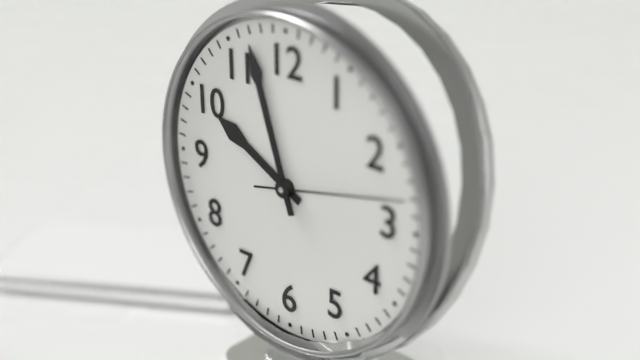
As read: 9h57m13s
